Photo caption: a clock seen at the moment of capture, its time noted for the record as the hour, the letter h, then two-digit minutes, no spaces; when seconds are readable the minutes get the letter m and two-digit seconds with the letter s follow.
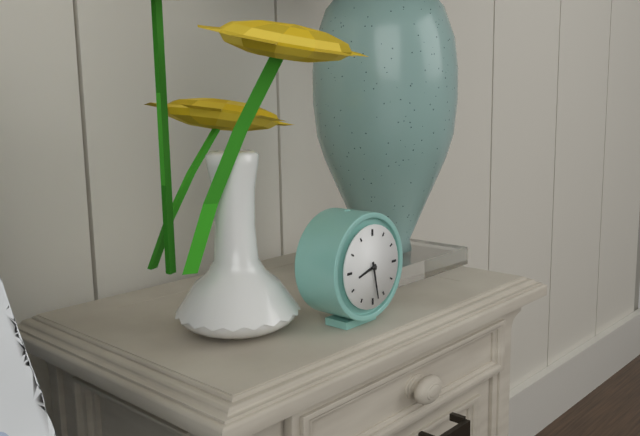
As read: 8h28
